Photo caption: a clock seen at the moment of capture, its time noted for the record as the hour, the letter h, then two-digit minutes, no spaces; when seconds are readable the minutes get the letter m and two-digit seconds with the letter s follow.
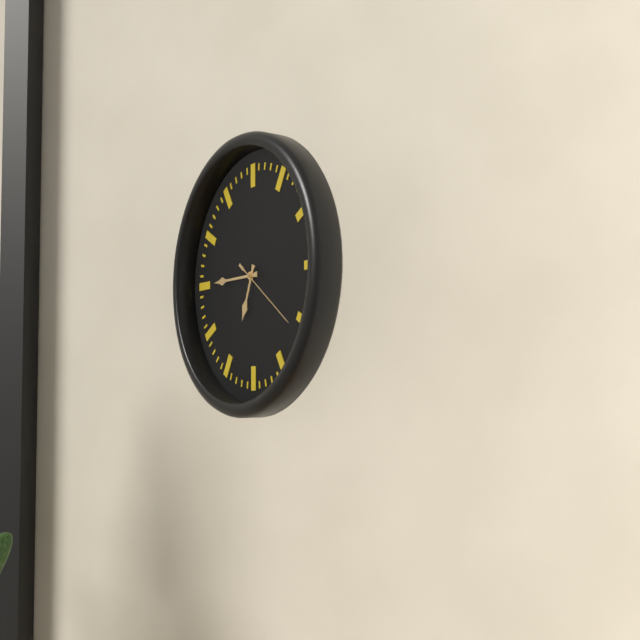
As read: 6h45m21s
